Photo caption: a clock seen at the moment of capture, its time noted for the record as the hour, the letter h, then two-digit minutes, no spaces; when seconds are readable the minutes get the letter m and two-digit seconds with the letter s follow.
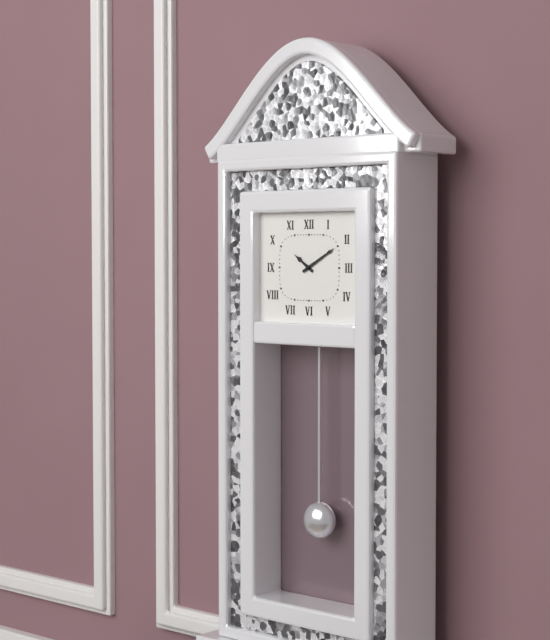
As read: 10h10
